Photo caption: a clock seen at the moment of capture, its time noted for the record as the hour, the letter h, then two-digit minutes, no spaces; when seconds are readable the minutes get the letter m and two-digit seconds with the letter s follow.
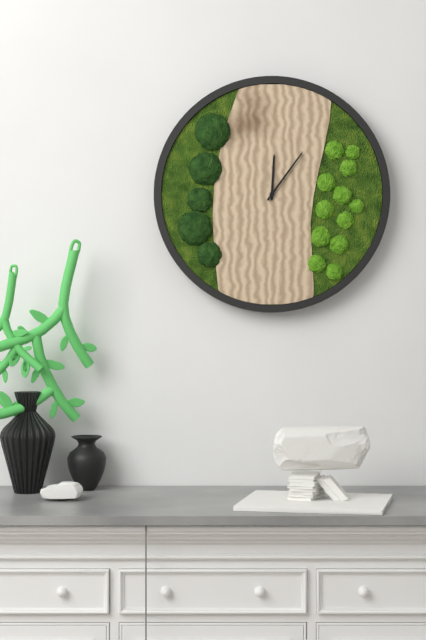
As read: 12h06
